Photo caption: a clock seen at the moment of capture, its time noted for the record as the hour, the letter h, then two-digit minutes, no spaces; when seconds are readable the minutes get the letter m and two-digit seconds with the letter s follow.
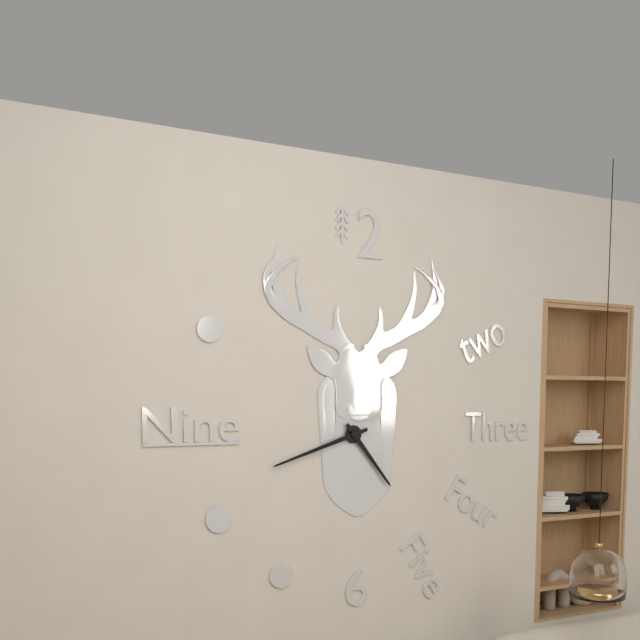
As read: 4h42
